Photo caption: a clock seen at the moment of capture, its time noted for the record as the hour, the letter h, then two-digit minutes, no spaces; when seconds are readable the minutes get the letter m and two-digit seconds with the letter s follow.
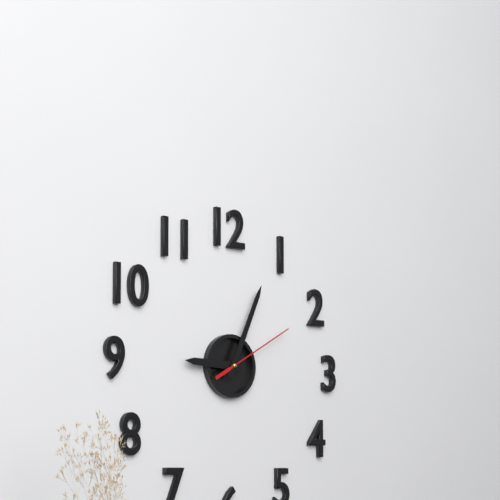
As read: 9h04m10s
